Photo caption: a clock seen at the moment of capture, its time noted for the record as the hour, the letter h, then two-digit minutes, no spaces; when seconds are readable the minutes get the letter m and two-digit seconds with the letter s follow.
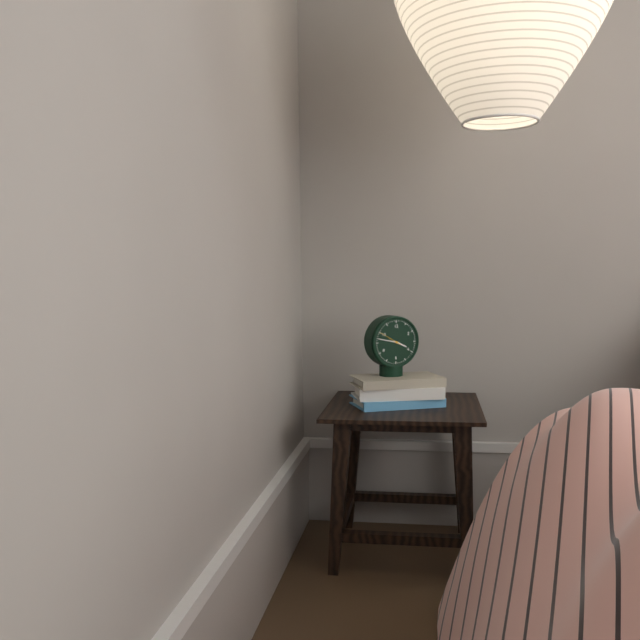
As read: 3h47
